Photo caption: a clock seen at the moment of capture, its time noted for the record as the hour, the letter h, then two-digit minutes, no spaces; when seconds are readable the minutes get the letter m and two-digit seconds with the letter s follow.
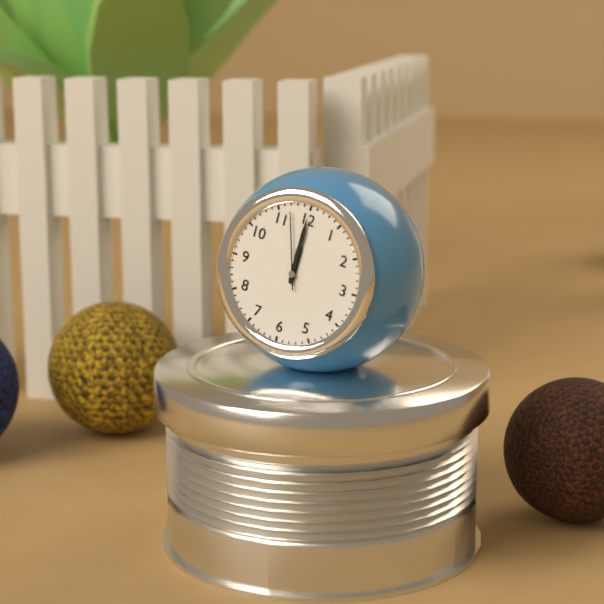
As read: 12h00m57s
